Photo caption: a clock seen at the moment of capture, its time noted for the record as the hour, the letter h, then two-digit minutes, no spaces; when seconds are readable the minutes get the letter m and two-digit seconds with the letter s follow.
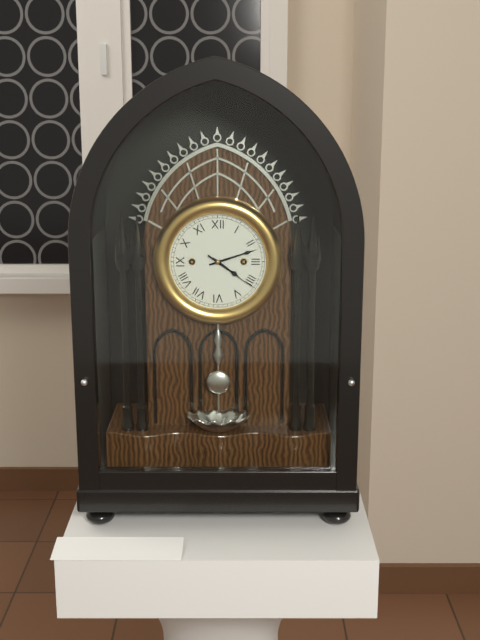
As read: 4h12m21s
